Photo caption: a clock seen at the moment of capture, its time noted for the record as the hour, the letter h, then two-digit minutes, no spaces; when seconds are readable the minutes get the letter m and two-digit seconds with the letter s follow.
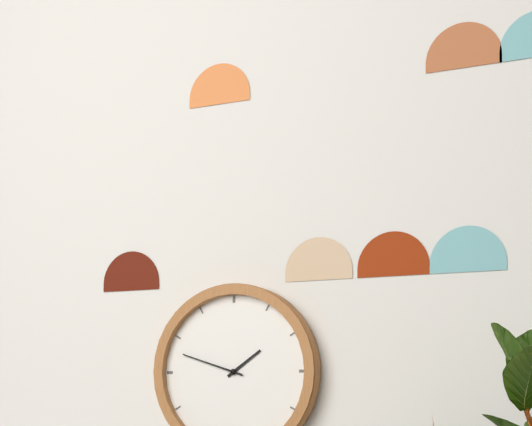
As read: 1h48
